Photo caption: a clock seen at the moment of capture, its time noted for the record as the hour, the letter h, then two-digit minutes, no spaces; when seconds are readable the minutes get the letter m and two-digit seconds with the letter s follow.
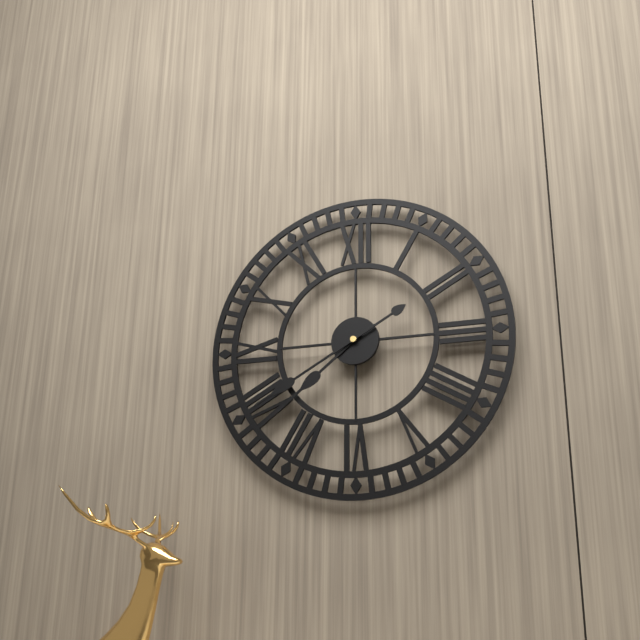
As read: 7h40
